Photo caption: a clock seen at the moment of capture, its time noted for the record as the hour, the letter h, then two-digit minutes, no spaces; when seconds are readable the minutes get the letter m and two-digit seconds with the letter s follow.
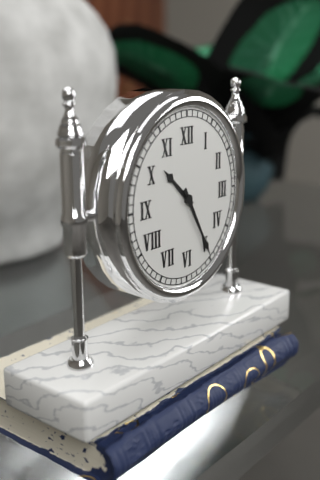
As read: 10h25
